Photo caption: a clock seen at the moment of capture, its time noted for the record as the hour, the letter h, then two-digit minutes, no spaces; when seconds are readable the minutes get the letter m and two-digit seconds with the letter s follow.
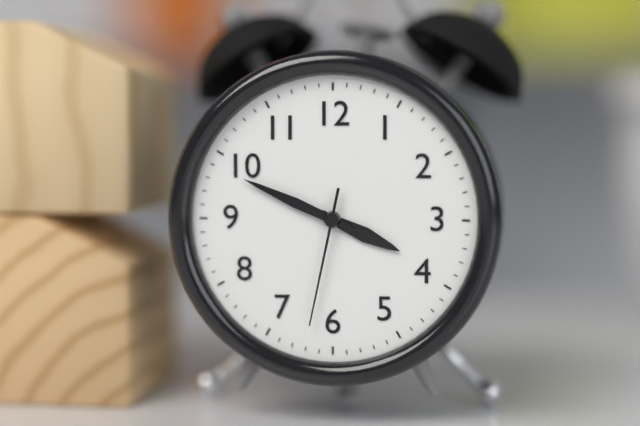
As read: 3h49m32s
